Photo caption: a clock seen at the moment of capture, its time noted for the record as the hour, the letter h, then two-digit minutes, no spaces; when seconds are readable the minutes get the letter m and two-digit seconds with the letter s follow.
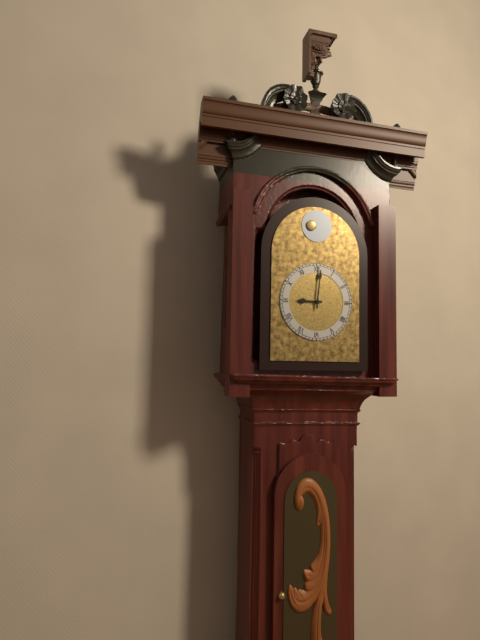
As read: 9h01
